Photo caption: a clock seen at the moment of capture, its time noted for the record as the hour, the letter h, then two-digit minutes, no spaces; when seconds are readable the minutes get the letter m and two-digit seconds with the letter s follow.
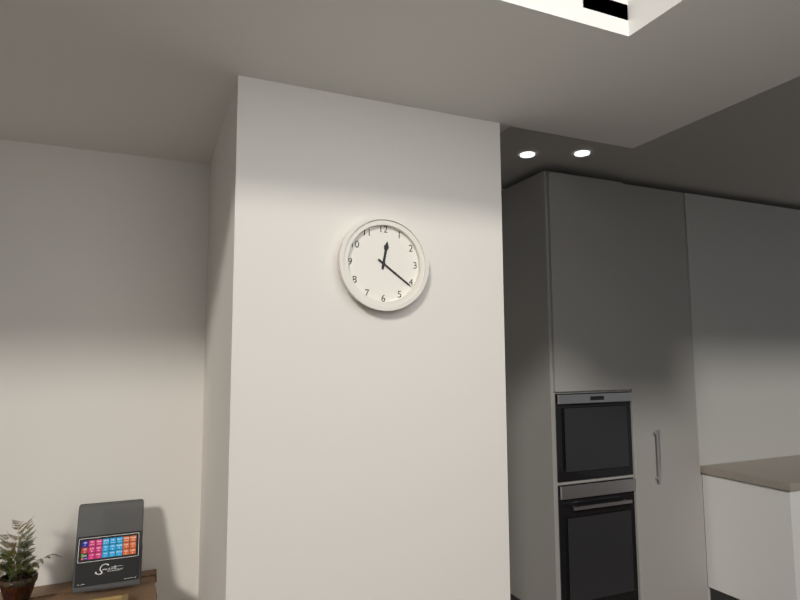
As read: 12h21
